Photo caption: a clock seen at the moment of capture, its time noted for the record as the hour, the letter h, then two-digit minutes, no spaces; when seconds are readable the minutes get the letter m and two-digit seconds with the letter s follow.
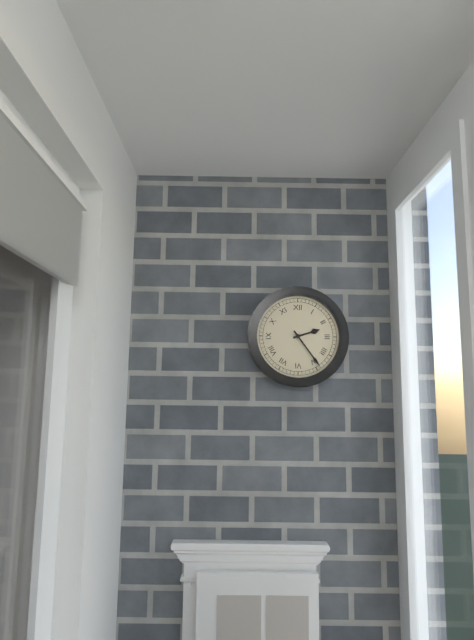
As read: 2h24
